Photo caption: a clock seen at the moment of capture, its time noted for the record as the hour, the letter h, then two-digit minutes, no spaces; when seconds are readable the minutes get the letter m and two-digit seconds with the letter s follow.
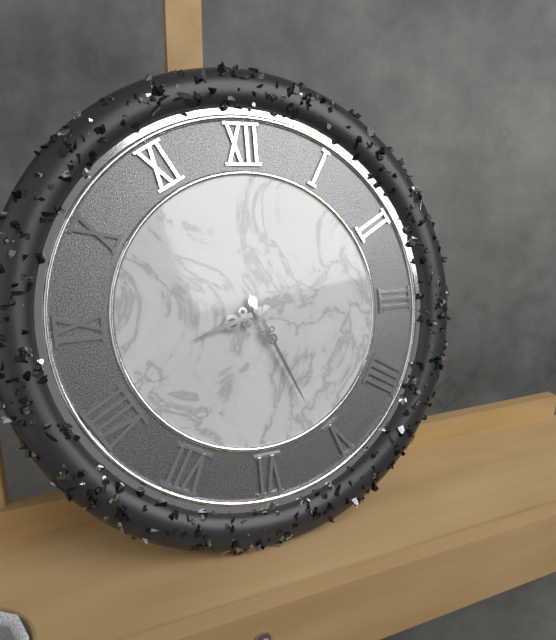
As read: 8h26
